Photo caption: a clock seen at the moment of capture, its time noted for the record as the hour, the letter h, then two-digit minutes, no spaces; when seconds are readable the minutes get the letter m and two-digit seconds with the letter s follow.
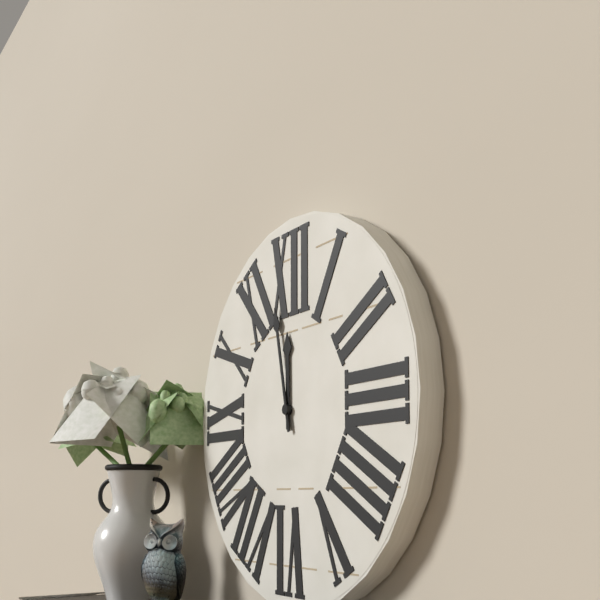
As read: 11h58
